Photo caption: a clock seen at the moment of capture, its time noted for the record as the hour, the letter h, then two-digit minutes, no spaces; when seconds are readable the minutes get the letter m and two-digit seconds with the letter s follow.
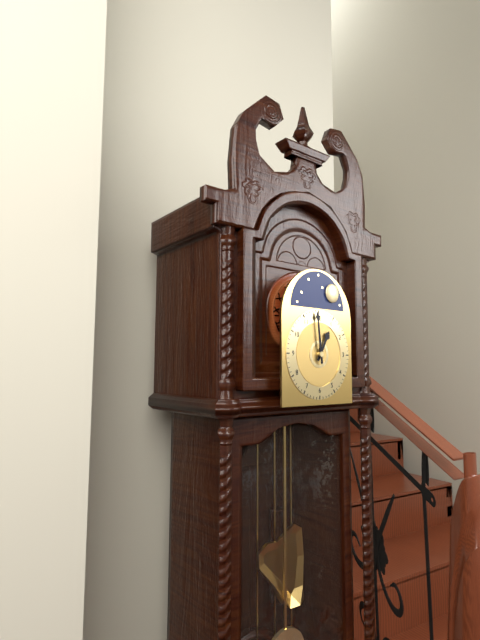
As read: 12h59
